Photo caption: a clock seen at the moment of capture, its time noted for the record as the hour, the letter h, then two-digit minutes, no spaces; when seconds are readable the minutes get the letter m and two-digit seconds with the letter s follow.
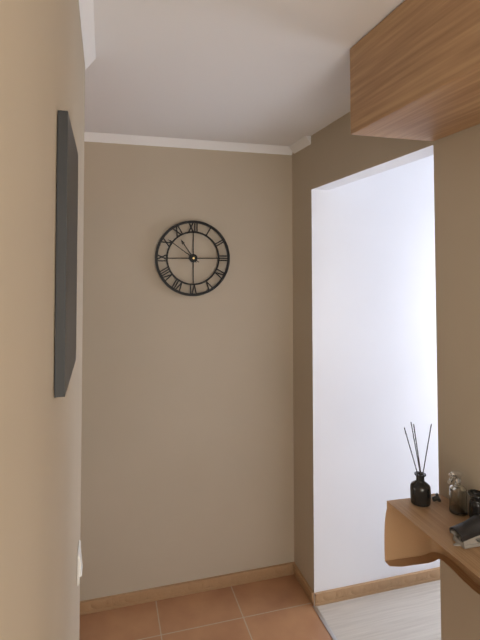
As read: 10h51
